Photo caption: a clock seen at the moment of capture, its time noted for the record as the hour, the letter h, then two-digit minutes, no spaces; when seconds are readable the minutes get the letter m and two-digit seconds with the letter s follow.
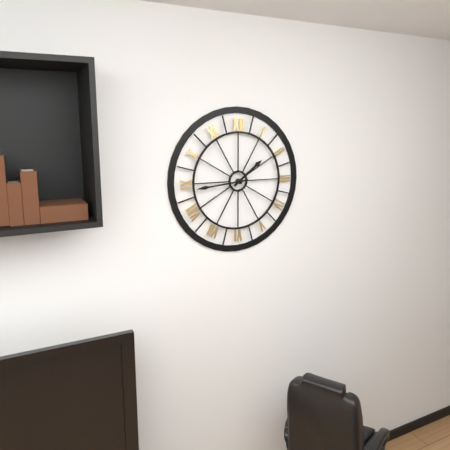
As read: 1h44
